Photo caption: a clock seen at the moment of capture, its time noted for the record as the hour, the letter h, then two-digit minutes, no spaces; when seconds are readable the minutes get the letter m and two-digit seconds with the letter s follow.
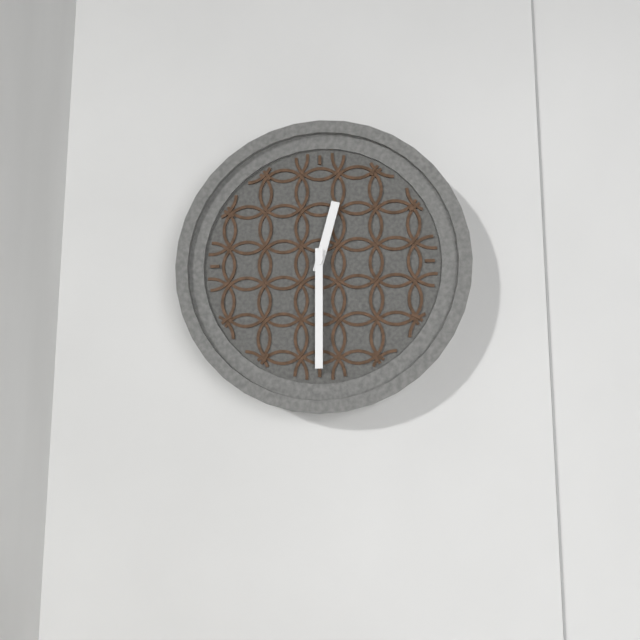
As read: 12h30
